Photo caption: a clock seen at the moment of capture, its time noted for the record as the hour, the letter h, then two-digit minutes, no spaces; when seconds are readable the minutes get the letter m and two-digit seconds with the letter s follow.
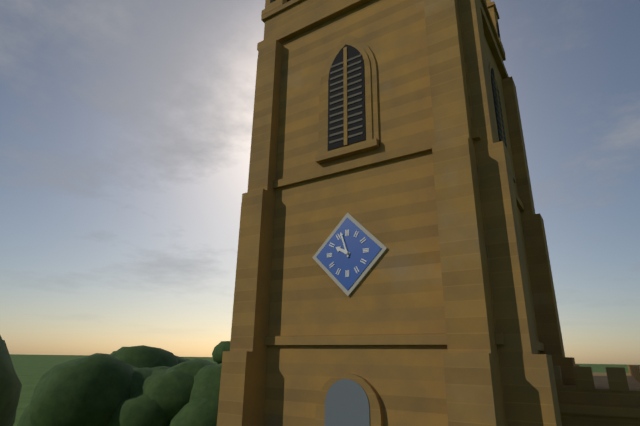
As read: 9h57
